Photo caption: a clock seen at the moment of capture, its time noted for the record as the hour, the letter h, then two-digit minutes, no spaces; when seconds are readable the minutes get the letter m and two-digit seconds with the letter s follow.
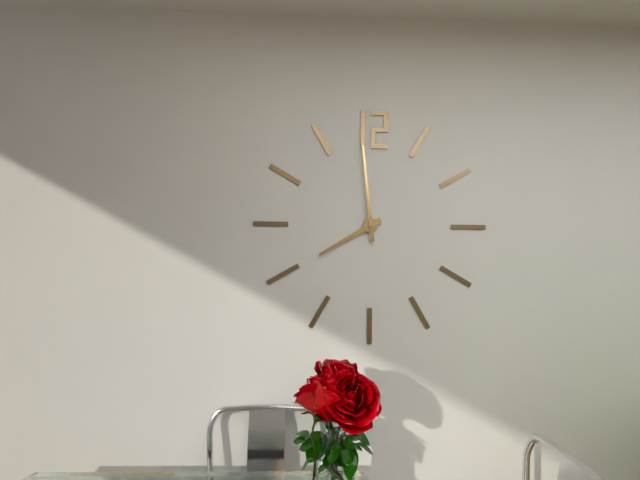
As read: 7h59
